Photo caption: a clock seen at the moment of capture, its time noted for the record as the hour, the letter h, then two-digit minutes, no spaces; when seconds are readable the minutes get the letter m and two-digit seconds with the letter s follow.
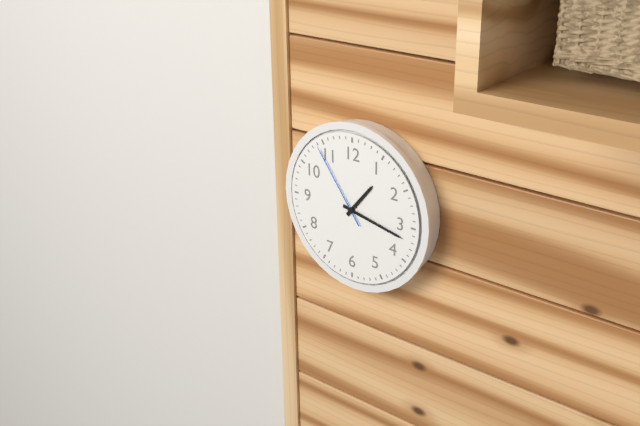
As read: 1h17m54s
